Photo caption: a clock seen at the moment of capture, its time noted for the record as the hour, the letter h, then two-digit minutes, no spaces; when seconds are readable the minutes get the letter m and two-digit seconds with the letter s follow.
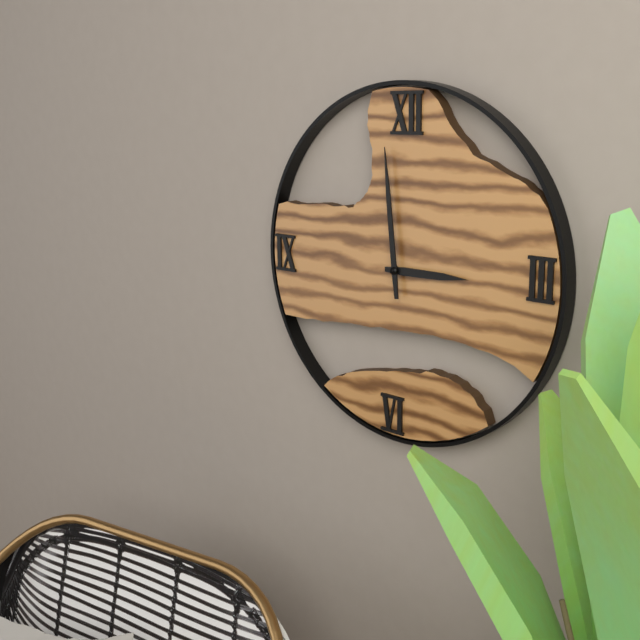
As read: 2h59
